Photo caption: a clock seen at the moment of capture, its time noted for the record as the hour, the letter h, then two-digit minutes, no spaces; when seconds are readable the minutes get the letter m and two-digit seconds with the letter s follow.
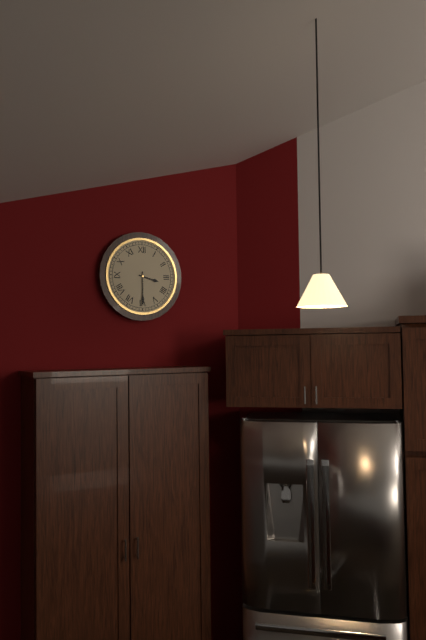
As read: 3h30
